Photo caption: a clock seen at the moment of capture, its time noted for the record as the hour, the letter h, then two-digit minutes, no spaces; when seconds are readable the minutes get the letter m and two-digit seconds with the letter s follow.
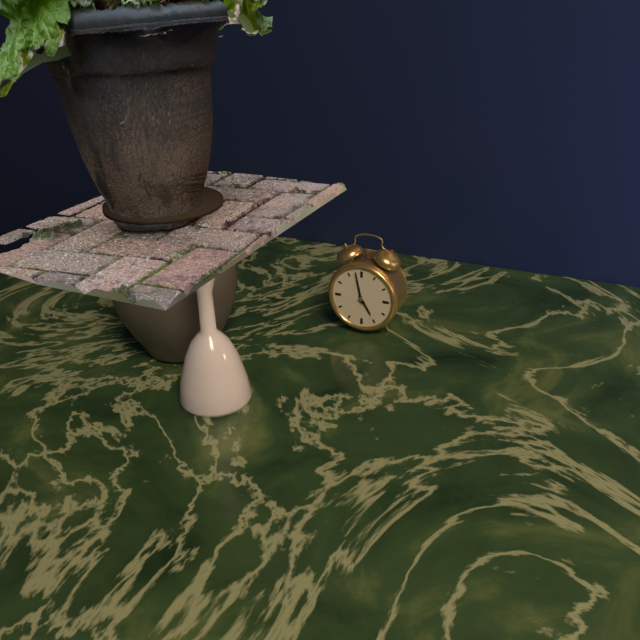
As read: 4h58
